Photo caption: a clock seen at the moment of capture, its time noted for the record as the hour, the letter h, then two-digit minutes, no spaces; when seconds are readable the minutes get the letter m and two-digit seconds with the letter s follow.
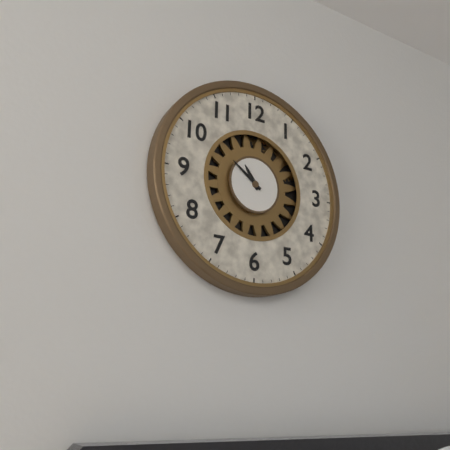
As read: 10h51
